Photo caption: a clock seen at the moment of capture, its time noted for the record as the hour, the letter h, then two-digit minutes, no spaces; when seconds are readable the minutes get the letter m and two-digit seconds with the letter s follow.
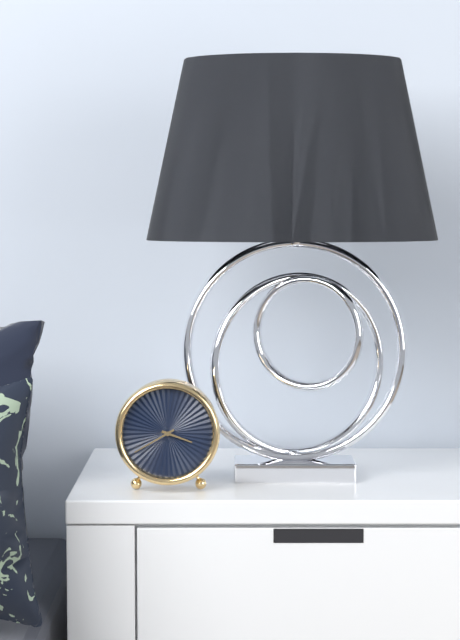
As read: 3h40
